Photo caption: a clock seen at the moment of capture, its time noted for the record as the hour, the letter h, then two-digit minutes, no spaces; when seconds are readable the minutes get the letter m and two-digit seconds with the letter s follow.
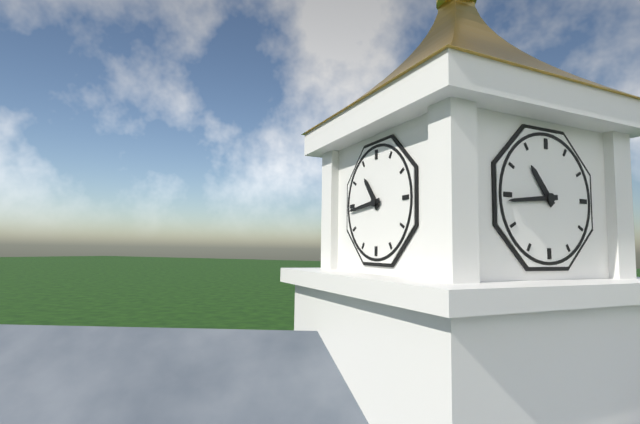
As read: 10h44
